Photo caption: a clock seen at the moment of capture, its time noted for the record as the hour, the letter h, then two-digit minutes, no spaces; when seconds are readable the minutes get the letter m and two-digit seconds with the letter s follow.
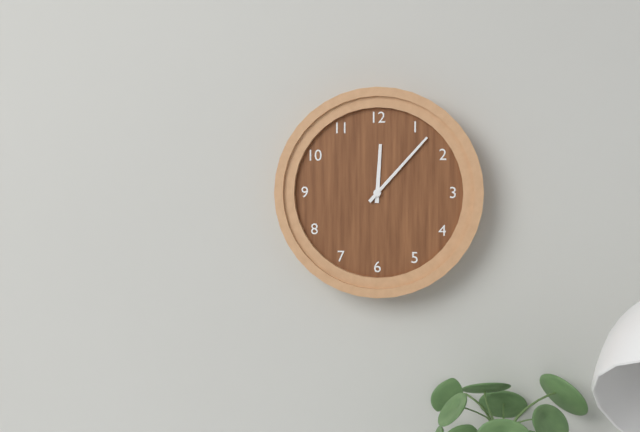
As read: 12h07
